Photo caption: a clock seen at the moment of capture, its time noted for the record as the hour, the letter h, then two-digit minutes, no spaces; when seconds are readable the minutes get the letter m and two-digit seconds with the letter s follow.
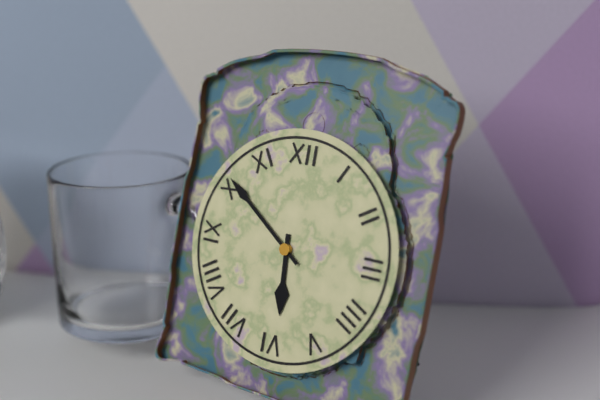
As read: 5h51
